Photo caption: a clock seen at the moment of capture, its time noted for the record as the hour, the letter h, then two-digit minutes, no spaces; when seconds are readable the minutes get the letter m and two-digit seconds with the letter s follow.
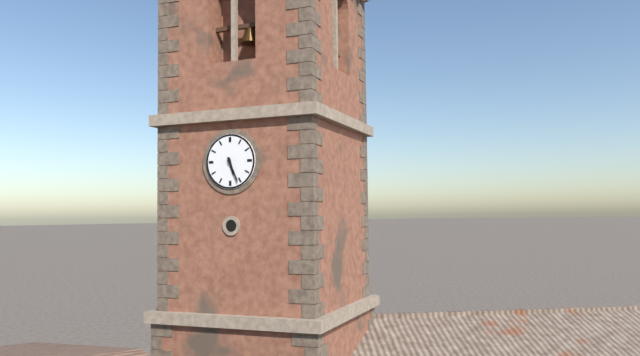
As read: 5h26
